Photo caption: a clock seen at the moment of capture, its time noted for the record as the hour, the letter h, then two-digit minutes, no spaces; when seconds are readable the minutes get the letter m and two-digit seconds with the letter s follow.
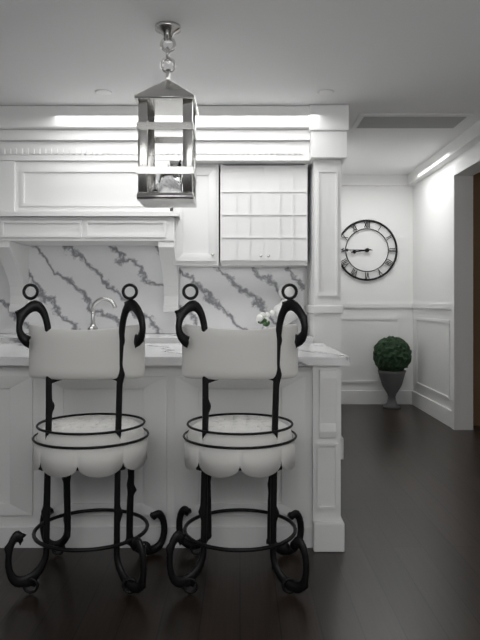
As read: 8h45
